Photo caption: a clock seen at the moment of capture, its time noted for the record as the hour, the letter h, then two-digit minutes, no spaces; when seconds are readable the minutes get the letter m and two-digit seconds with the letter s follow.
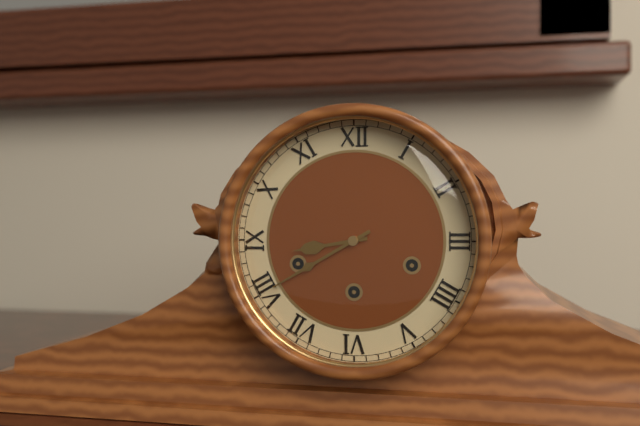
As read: 8h40
